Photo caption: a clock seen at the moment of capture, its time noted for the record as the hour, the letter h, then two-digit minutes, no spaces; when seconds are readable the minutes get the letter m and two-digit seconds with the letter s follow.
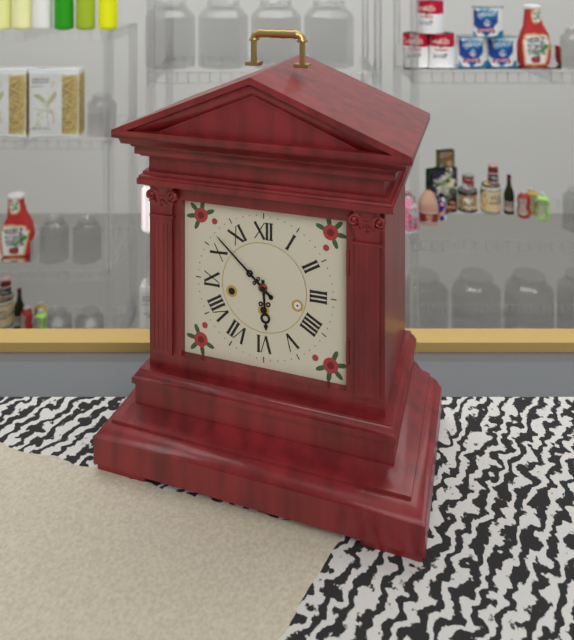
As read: 5h52
